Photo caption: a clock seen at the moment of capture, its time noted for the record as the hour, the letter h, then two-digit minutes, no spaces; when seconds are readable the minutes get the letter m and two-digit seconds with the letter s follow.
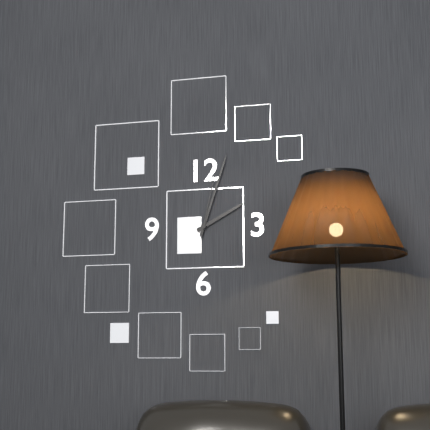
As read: 2h03m02s
